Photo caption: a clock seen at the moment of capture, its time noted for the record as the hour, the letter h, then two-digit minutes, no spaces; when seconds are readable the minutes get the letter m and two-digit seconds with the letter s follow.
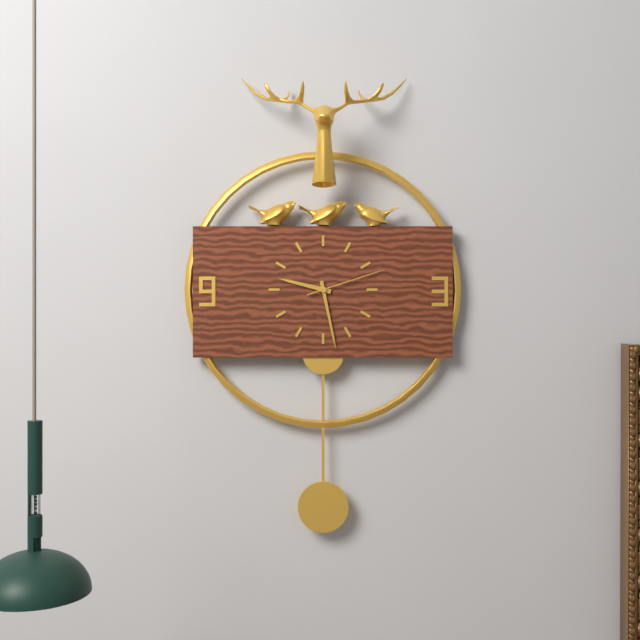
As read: 9h28m12s
